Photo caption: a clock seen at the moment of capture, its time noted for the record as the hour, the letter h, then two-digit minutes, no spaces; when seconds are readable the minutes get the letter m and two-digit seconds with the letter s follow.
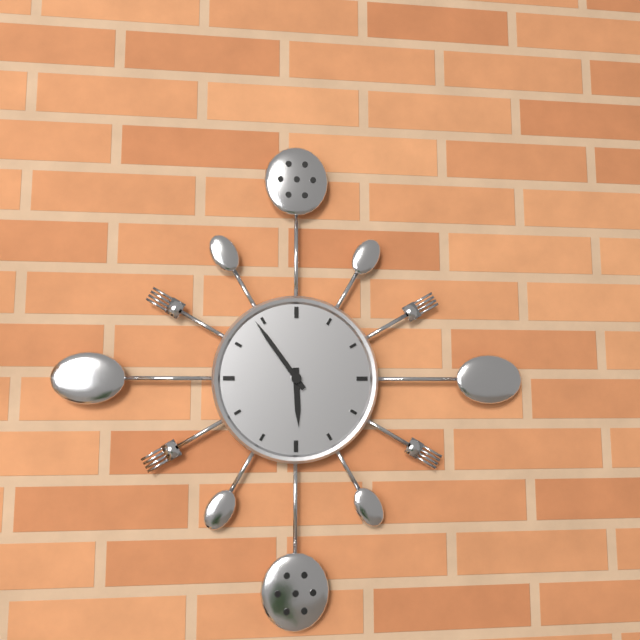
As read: 5h54
